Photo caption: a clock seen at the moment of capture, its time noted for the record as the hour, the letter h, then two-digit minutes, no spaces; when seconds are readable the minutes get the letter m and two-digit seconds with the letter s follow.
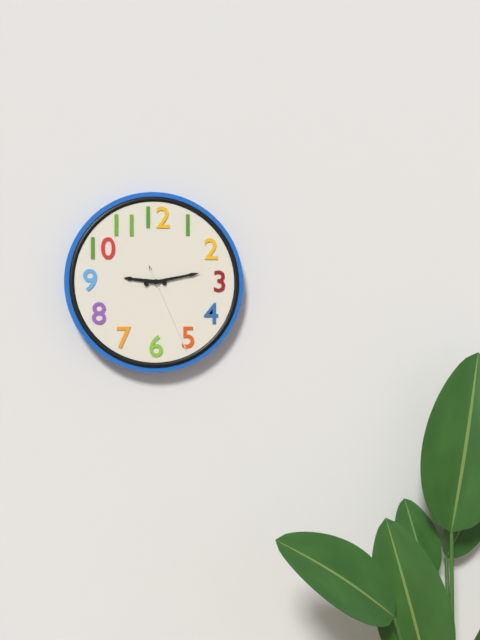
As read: 9h13m26s
